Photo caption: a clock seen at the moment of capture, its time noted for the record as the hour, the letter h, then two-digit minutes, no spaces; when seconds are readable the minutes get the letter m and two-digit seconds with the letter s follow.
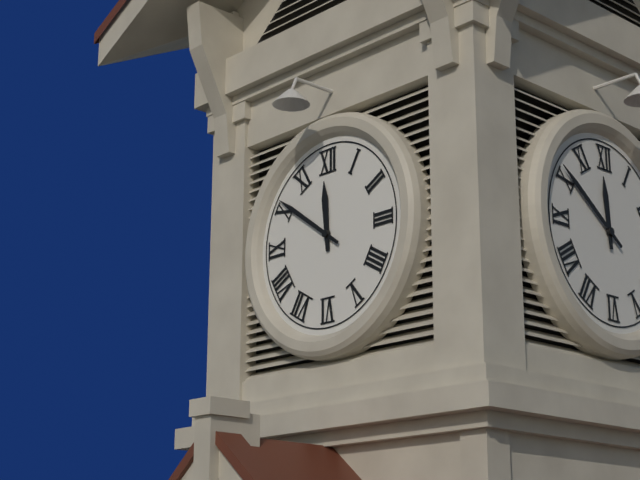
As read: 11h51
